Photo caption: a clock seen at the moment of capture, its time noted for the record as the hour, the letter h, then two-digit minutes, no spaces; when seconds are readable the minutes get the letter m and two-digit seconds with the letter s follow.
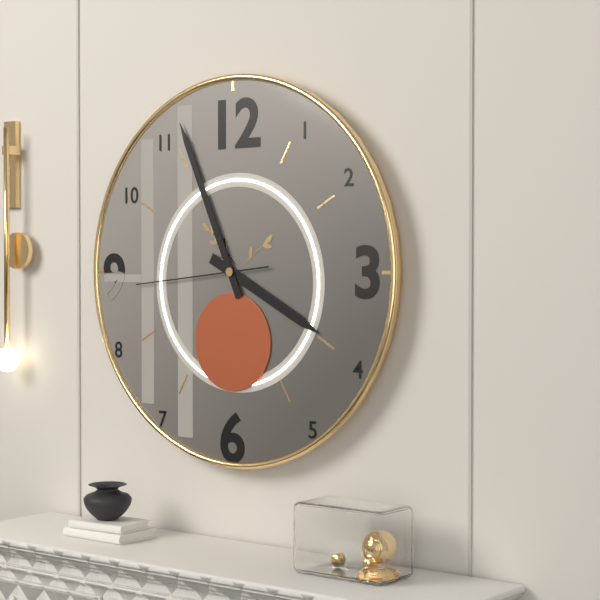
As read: 3h56m44s
